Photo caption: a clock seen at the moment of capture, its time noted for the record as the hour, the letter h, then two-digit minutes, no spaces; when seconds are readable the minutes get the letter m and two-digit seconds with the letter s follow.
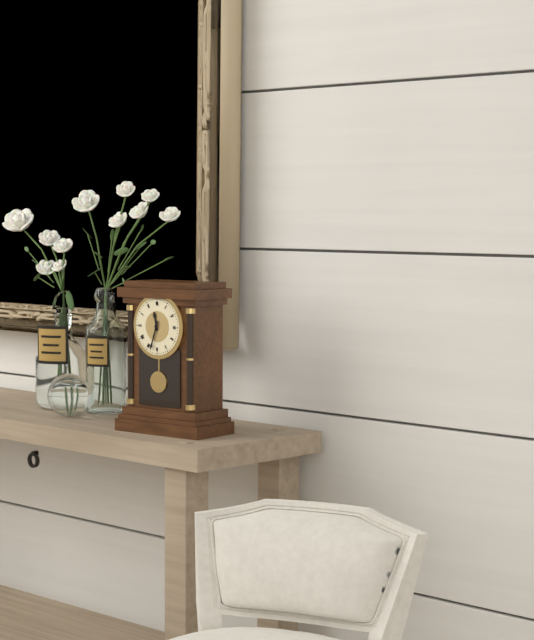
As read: 11h33
